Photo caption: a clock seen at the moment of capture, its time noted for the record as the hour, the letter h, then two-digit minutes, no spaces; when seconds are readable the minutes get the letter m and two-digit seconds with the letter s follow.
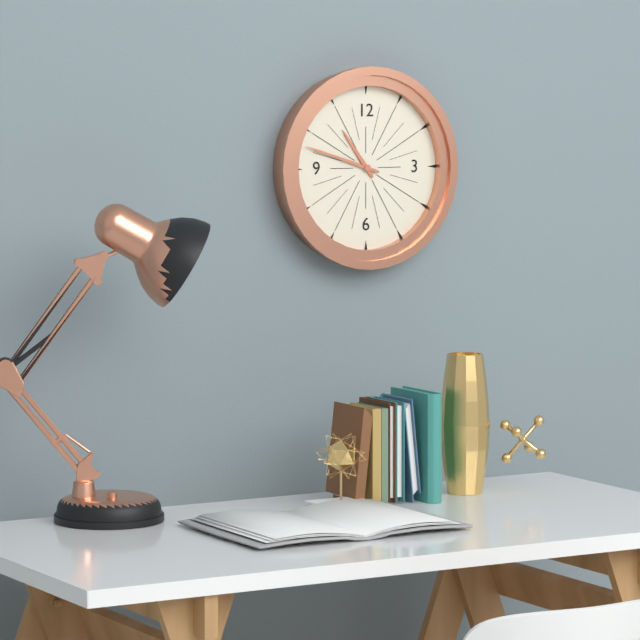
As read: 10h48
